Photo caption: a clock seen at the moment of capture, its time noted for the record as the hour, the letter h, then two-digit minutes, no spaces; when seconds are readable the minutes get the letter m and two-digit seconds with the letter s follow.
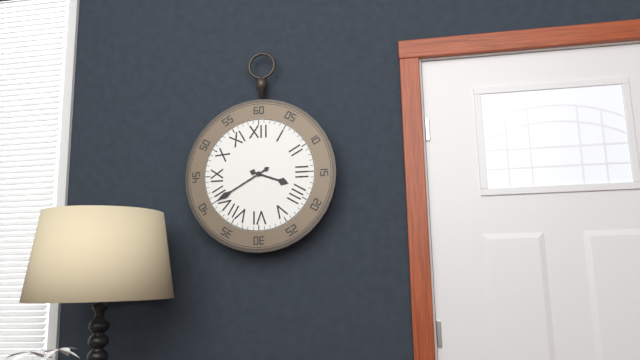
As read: 3h40
